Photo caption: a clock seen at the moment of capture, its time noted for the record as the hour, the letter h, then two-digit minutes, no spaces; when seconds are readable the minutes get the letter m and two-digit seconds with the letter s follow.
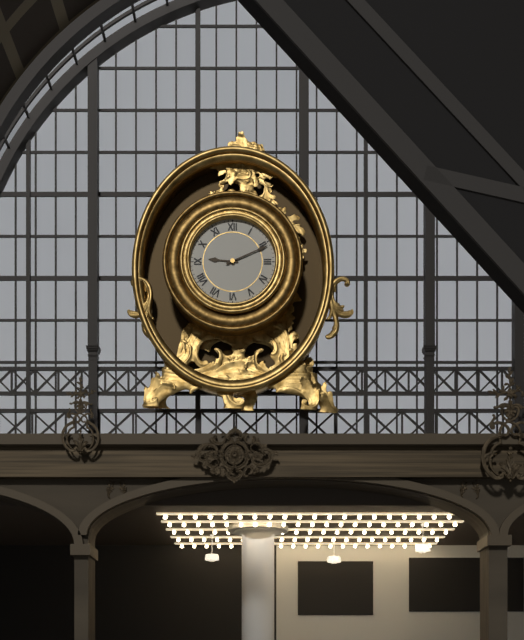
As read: 9h11
